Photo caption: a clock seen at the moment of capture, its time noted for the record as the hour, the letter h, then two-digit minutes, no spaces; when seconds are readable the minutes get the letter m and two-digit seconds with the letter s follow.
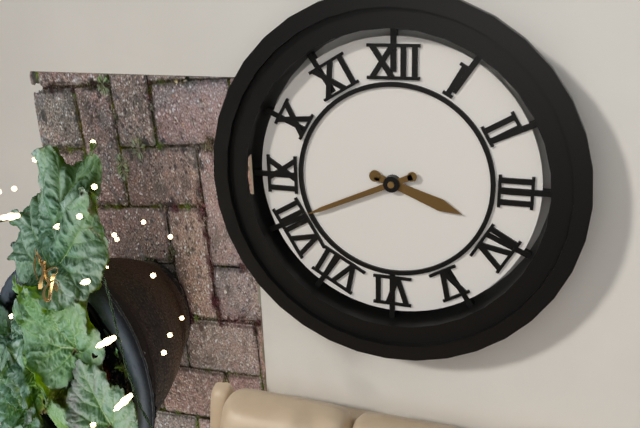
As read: 3h41
